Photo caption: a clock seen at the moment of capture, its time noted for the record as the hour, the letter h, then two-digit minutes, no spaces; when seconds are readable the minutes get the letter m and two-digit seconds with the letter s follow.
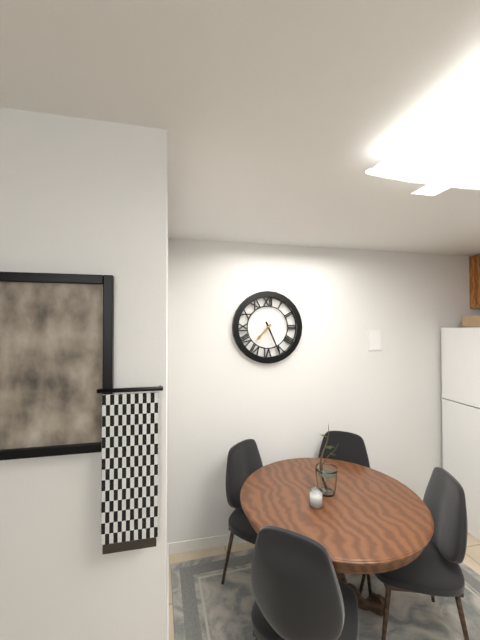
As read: 7h26
